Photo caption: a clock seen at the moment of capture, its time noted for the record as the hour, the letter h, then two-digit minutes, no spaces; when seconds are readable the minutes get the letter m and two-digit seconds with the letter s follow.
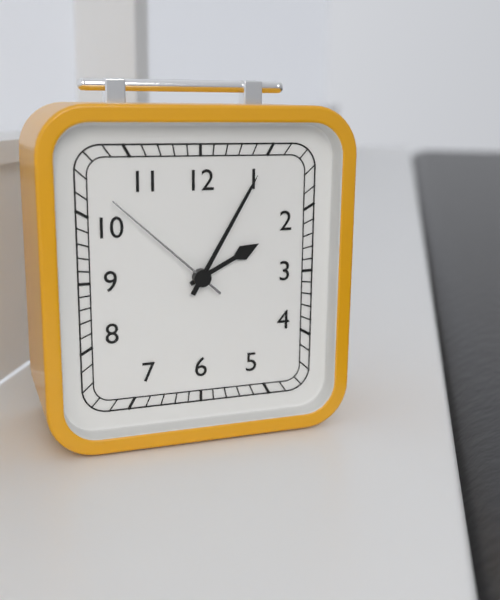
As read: 2h05m52s
